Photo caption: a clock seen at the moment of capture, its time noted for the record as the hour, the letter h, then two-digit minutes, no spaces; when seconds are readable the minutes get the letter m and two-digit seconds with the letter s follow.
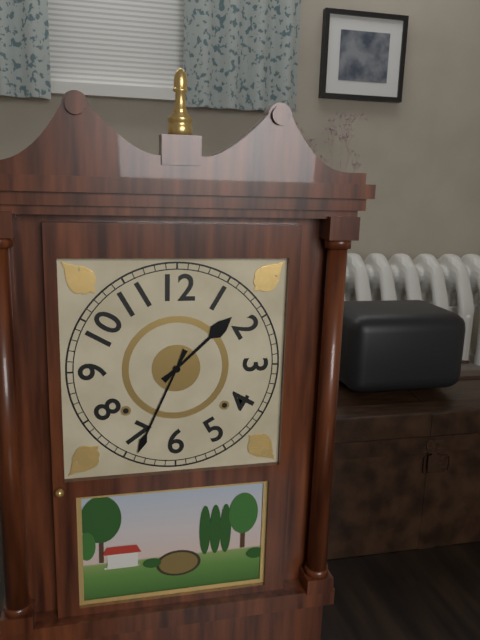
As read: 1h34
